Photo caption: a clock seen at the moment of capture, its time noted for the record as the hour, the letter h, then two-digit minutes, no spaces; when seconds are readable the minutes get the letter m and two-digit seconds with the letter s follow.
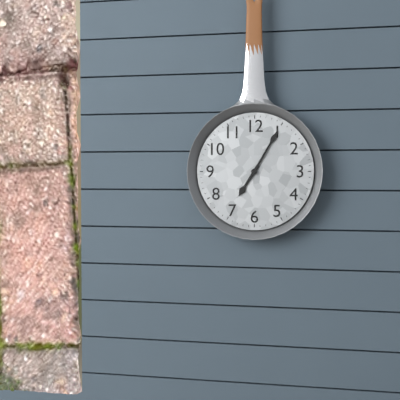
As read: 7h05
